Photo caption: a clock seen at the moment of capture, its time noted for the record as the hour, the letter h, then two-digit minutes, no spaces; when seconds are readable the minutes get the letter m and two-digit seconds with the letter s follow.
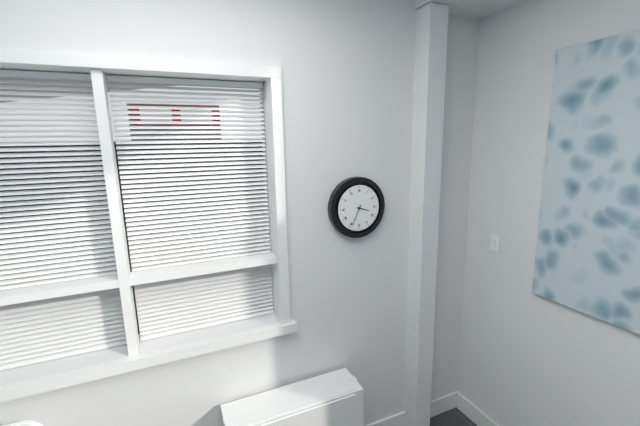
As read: 3h34
